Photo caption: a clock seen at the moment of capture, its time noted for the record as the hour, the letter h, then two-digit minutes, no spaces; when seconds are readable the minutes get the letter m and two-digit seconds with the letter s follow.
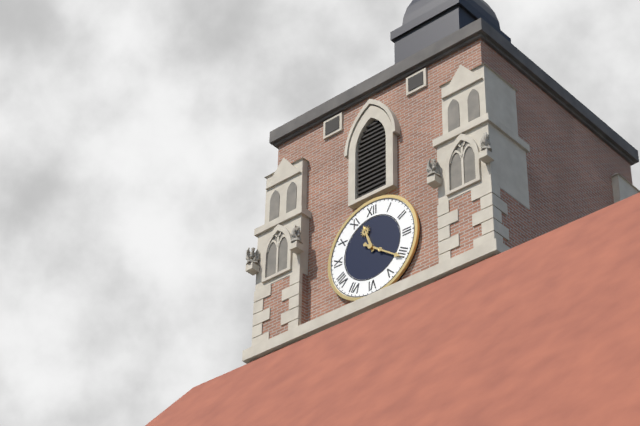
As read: 11h21
